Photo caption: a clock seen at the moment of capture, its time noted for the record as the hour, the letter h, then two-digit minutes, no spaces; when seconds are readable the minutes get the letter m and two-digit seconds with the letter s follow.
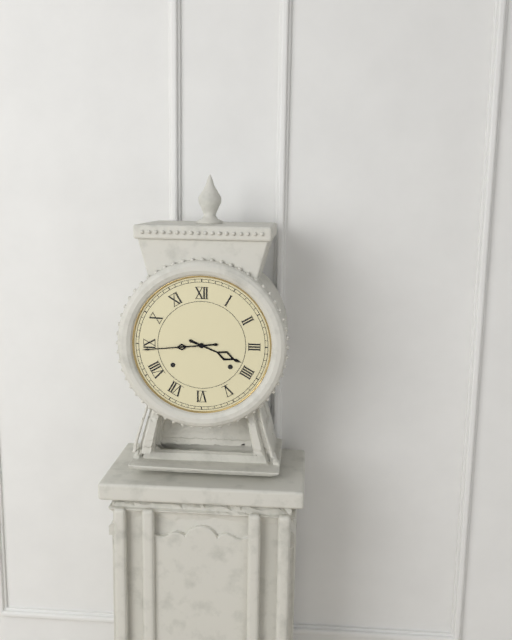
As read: 3h44
